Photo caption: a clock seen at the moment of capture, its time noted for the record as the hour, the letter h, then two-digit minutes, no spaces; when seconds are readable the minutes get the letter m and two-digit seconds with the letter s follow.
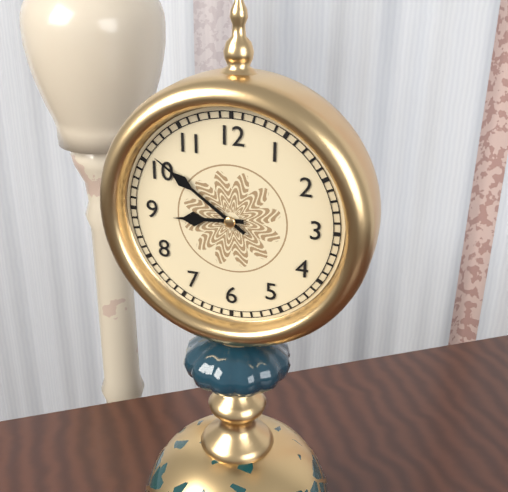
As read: 8h51
